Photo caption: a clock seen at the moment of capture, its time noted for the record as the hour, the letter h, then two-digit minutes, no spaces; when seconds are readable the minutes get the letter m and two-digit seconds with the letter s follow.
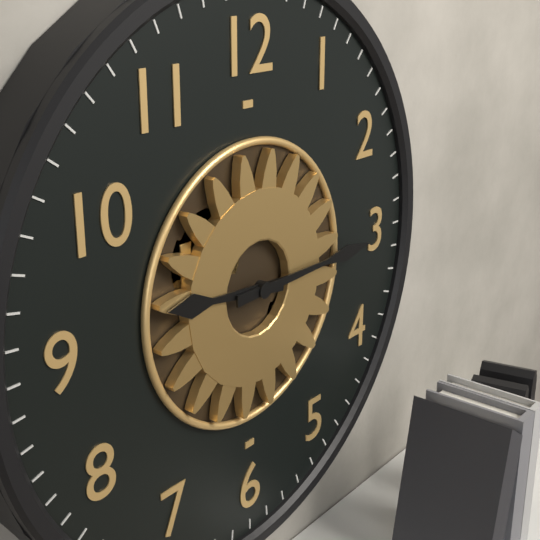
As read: 9h15
